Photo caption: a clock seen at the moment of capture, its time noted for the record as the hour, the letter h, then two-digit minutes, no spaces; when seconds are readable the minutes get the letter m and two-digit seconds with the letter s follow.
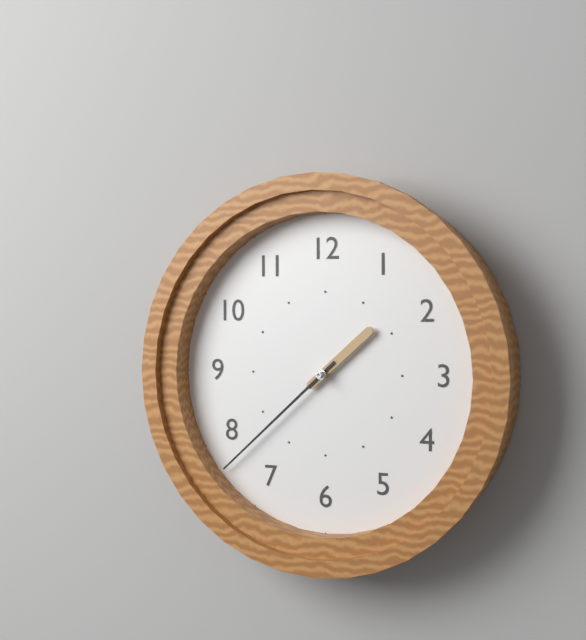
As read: 1h38
